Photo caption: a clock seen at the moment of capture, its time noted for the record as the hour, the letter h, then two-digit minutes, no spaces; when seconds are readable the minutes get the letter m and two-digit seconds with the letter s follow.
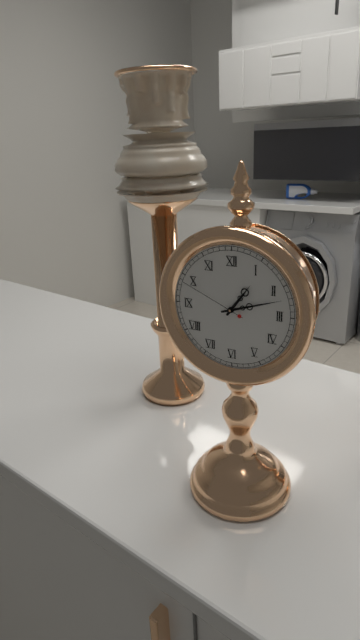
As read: 1h12m49s
